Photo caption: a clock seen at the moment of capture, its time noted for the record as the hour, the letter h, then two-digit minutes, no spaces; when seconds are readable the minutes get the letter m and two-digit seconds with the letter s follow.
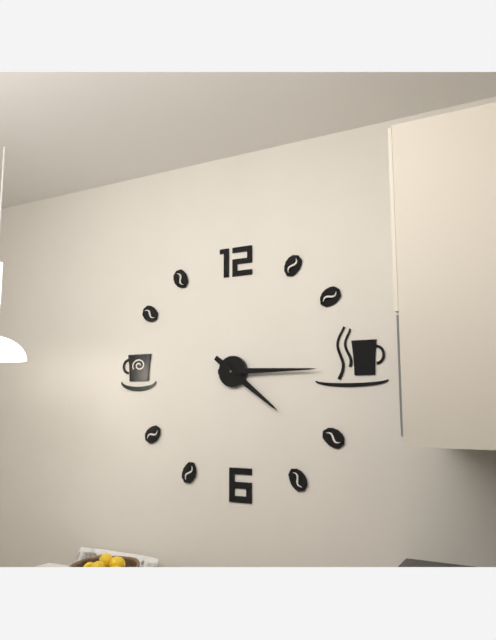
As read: 4h15
